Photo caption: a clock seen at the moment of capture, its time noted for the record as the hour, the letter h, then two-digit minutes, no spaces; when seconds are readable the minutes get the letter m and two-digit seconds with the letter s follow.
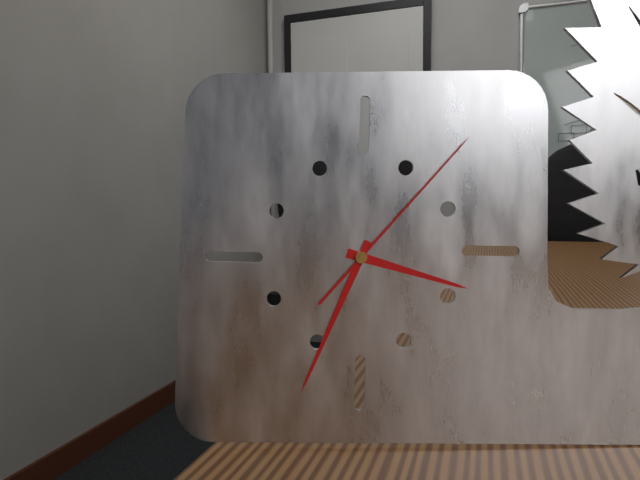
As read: 3h34m07s
